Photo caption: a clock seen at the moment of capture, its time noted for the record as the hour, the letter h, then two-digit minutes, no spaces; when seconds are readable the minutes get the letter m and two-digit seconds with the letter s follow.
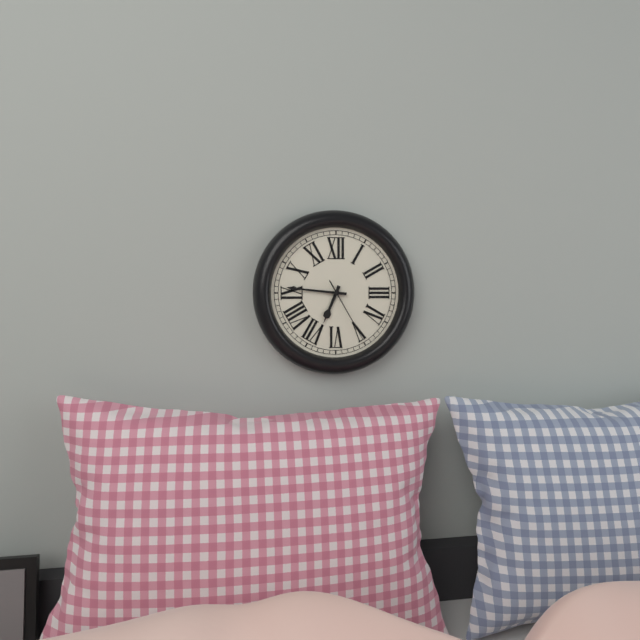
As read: 6h46m25s
